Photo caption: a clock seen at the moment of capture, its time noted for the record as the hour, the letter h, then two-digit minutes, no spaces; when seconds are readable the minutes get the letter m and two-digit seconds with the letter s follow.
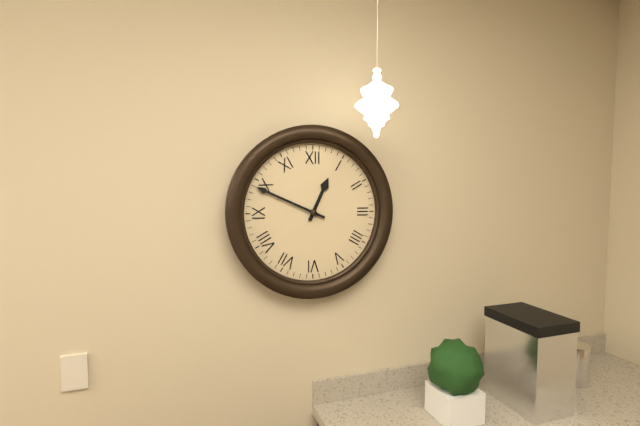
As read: 12h49
